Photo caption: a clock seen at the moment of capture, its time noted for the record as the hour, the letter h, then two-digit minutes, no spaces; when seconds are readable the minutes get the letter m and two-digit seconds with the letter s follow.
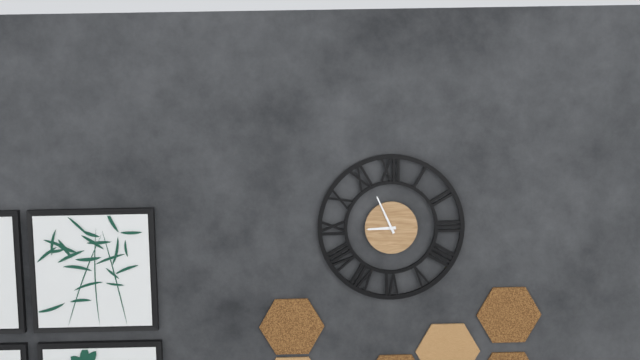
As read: 8h56
